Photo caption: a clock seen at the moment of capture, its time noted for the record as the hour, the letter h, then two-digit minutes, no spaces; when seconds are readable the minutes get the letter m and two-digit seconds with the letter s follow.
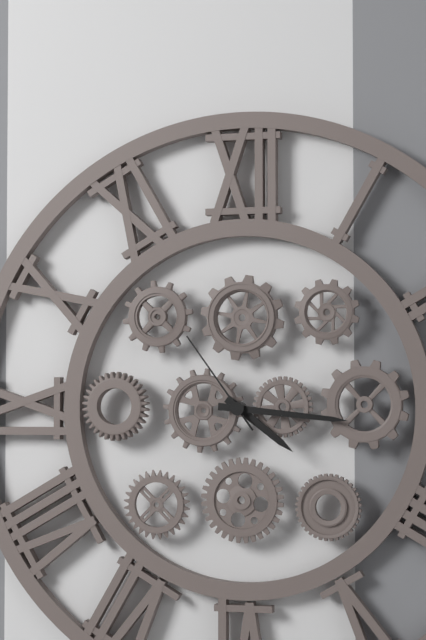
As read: 4h16m54s
